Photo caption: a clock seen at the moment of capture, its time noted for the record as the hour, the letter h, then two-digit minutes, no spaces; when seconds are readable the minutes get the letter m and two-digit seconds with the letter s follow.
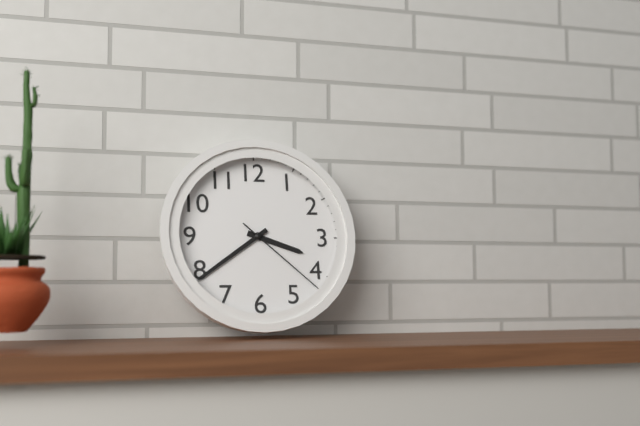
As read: 3h39m22s
